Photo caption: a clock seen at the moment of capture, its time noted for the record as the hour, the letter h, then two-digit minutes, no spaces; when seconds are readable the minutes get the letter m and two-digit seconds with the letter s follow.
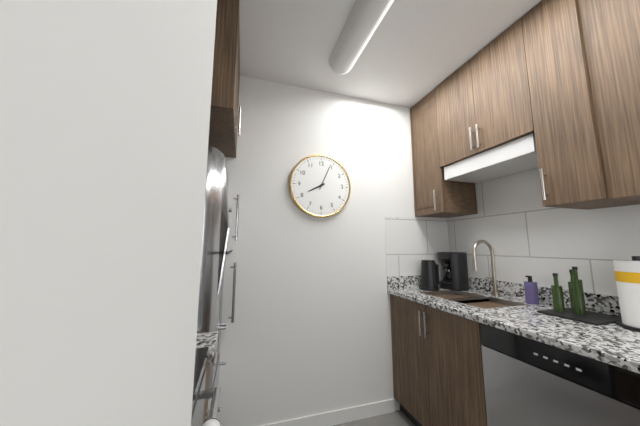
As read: 8h04
